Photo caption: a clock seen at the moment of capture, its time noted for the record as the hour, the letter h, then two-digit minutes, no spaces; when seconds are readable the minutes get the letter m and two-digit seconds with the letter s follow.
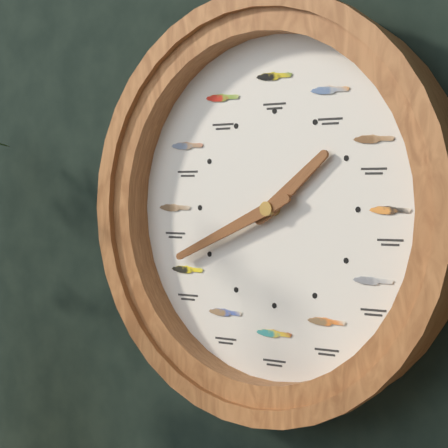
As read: 1h41
